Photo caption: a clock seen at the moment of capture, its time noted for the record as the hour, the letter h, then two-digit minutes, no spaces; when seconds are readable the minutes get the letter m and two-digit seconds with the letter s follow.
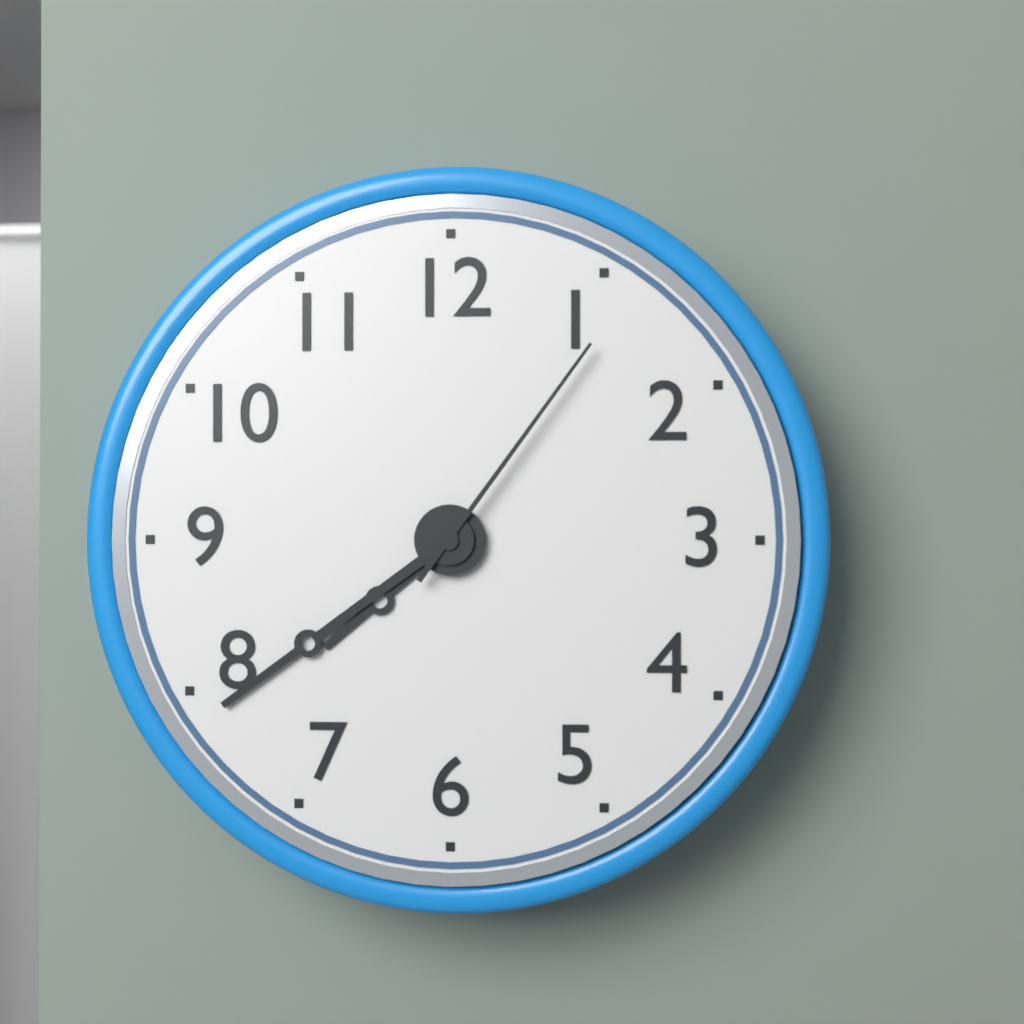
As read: 7h39m06s
